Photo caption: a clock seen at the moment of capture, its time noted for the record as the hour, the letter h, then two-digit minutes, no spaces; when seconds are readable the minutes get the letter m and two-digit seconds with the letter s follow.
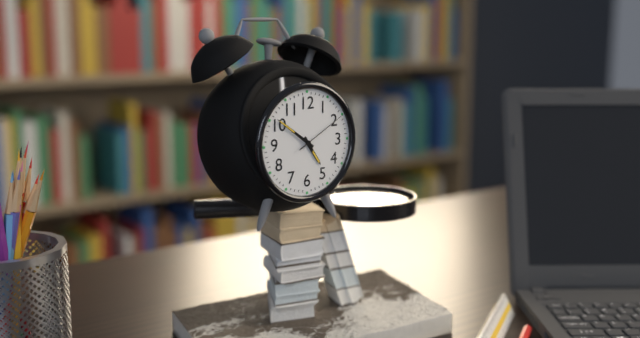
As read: 4h51m10s
